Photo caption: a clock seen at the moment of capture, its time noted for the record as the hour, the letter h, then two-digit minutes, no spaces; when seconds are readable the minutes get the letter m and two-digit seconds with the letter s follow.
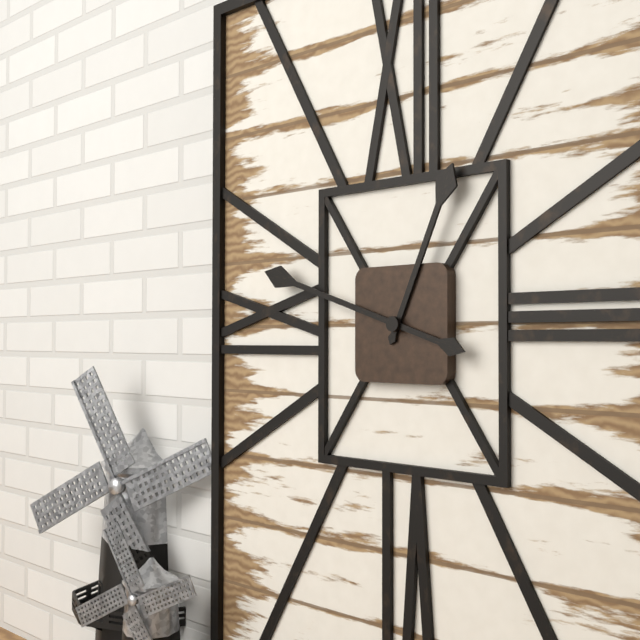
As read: 12h48
